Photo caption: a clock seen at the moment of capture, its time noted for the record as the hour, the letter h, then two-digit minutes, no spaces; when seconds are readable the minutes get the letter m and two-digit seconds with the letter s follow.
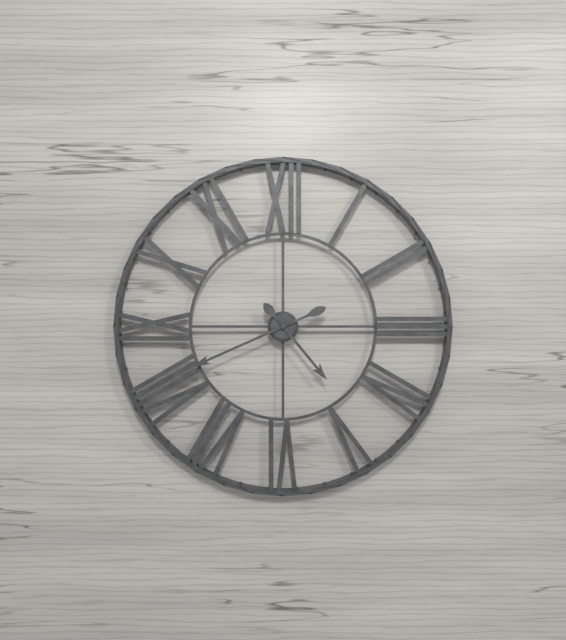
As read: 4h41
